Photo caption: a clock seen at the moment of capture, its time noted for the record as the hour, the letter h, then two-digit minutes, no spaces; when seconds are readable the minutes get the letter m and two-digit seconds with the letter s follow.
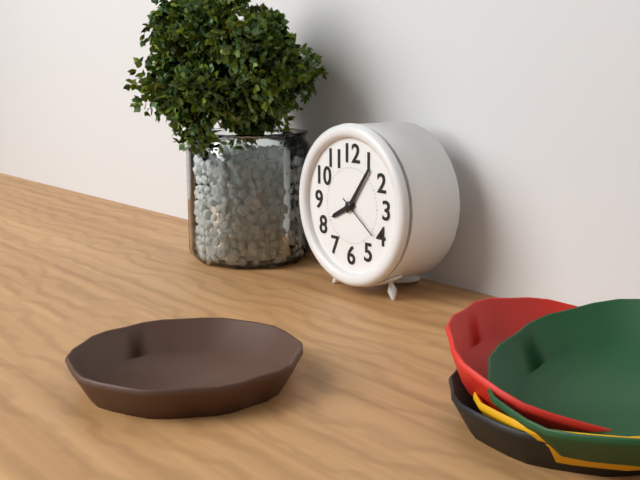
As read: 8h06
